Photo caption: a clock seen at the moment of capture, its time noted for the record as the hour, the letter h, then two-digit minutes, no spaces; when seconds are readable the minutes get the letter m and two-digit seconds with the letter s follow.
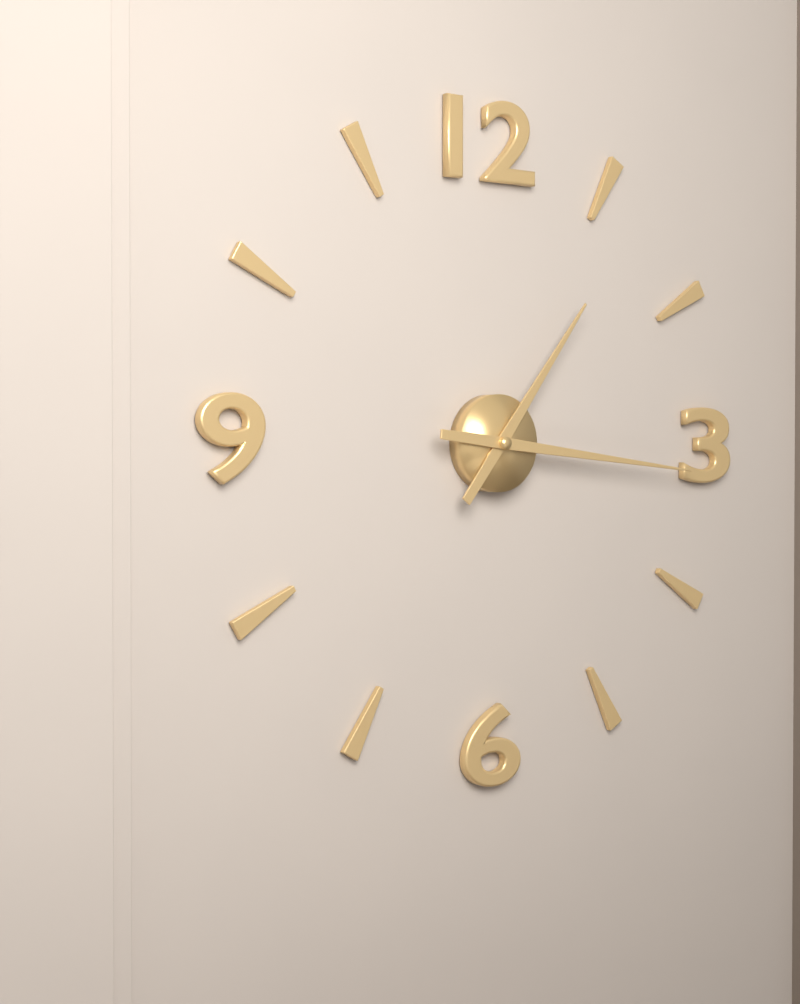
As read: 1h16
